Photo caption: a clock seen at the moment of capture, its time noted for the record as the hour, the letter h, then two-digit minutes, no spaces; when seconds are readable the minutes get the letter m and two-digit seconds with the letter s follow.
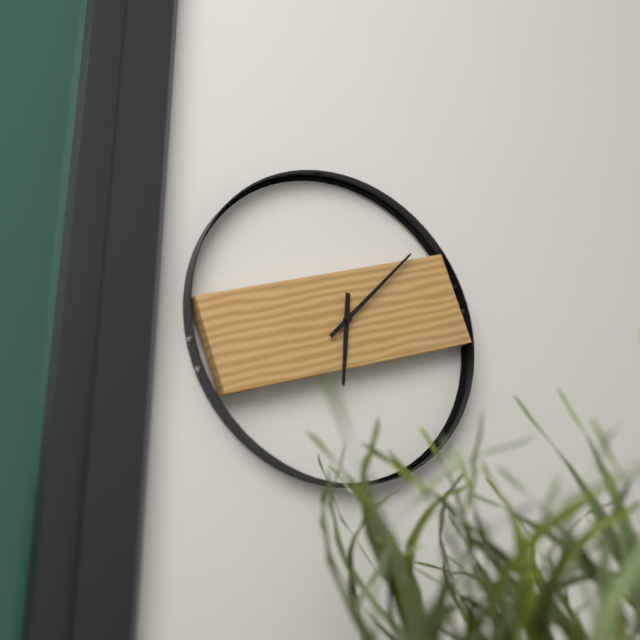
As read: 6h07
